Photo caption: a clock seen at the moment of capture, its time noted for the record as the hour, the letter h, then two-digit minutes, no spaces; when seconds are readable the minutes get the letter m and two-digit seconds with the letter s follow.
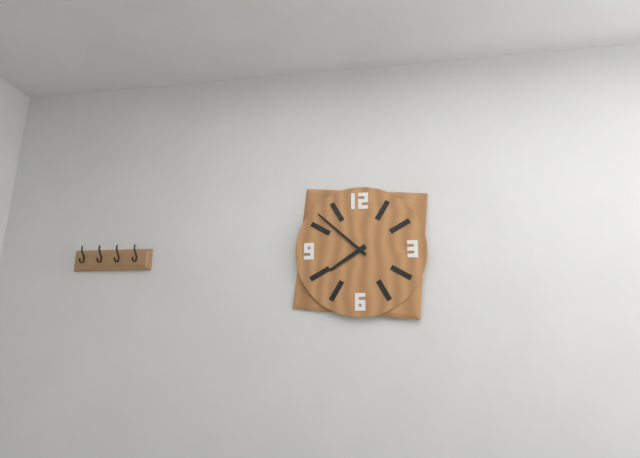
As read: 7h52
